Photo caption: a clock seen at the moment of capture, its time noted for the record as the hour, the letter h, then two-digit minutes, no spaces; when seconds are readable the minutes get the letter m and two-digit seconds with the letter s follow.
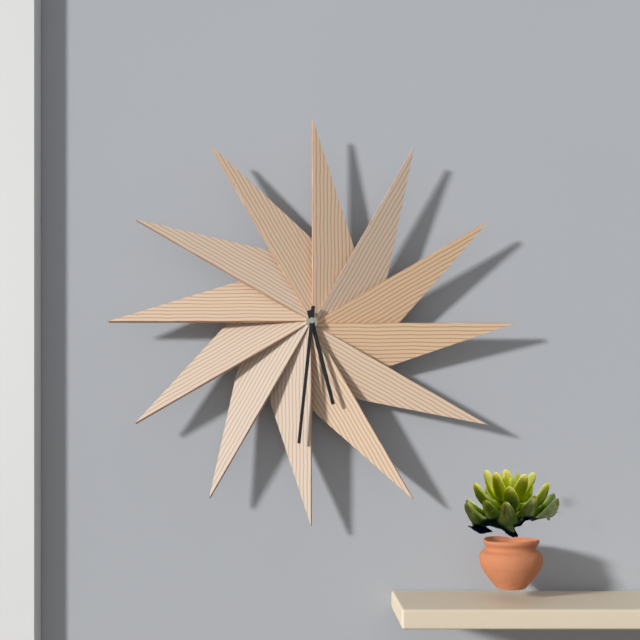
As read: 5h31
